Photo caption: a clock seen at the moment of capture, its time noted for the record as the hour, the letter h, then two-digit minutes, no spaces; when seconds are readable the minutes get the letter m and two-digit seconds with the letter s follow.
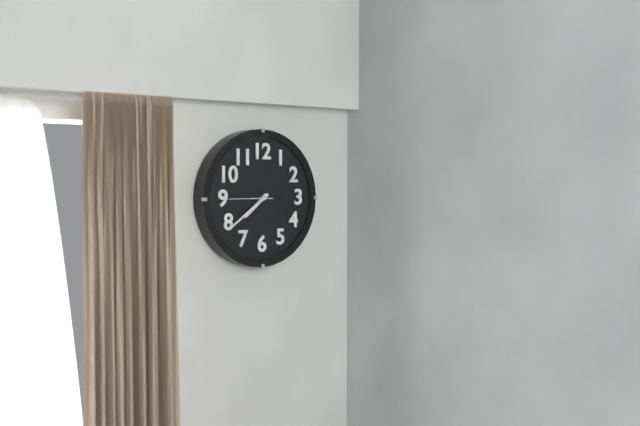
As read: 7h39
